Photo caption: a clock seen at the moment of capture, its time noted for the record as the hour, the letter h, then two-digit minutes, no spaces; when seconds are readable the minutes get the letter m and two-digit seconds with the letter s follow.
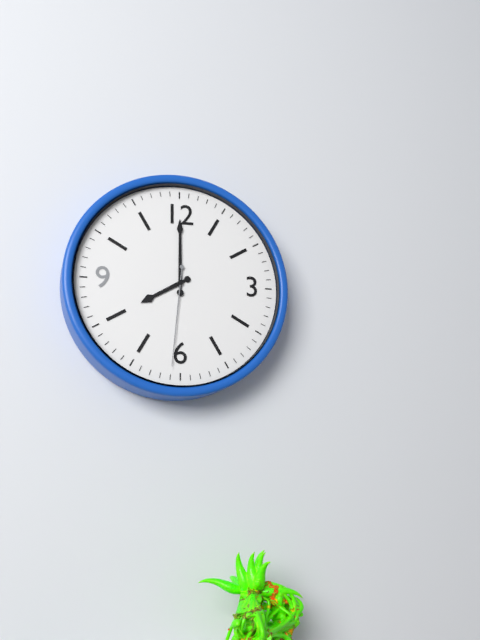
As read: 8h00m31s
